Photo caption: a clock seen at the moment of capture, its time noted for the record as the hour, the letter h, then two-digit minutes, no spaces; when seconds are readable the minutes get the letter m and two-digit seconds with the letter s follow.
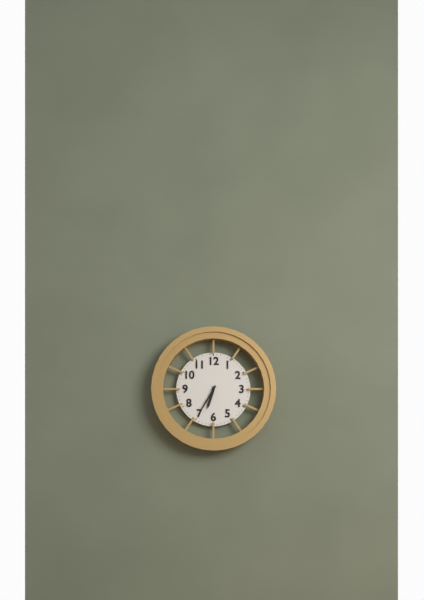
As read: 6h35
